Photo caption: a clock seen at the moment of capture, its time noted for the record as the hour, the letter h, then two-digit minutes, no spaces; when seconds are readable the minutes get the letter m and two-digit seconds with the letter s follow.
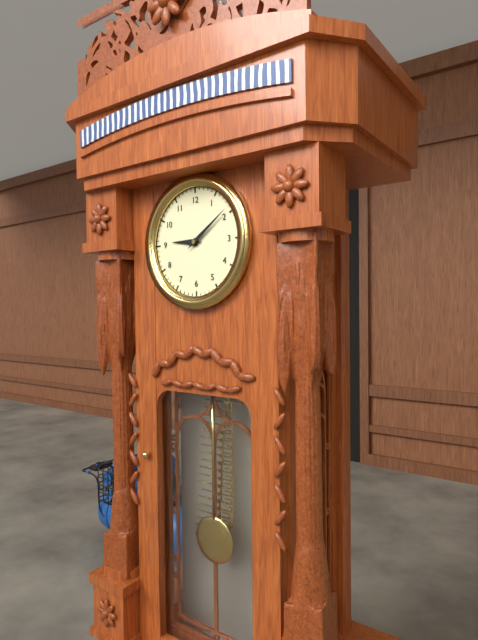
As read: 9h09
